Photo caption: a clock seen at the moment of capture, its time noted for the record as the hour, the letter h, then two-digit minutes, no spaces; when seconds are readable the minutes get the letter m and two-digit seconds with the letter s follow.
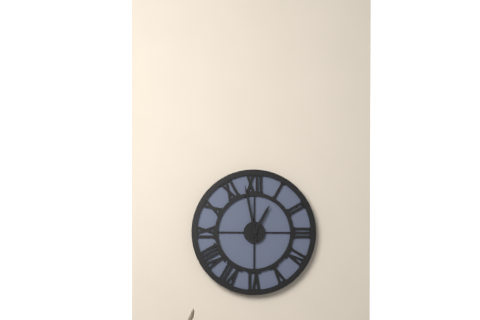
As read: 12h58
